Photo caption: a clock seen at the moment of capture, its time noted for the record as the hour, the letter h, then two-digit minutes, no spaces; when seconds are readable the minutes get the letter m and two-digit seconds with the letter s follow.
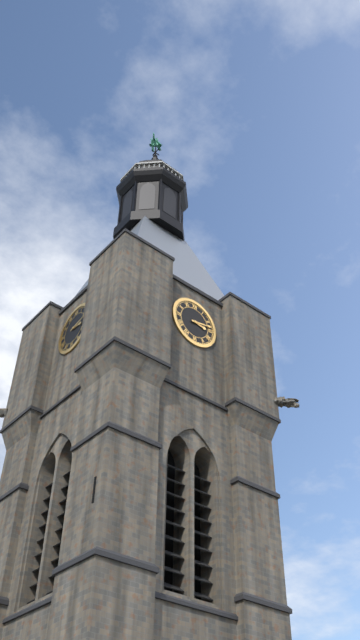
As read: 3h13
